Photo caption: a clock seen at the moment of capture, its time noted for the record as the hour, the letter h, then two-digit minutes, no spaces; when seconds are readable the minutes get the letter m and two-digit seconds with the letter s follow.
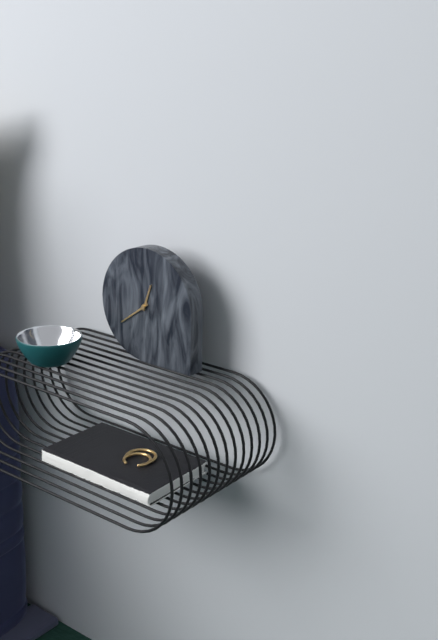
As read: 12h39
